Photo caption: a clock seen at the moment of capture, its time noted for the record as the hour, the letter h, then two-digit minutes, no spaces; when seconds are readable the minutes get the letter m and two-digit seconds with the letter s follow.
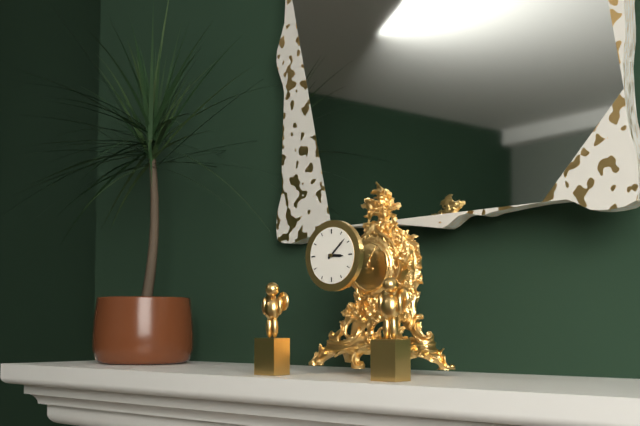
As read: 3h08
